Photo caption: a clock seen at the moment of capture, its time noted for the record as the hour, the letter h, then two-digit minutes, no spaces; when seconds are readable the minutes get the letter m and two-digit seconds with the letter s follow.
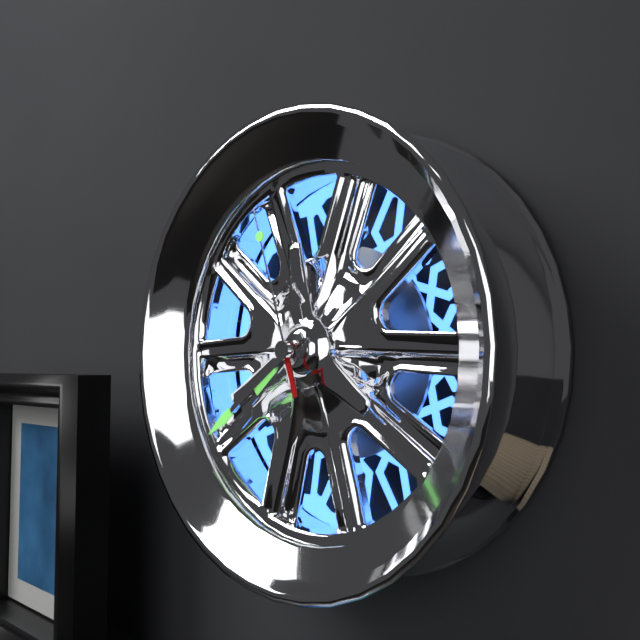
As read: 7h39m57s
